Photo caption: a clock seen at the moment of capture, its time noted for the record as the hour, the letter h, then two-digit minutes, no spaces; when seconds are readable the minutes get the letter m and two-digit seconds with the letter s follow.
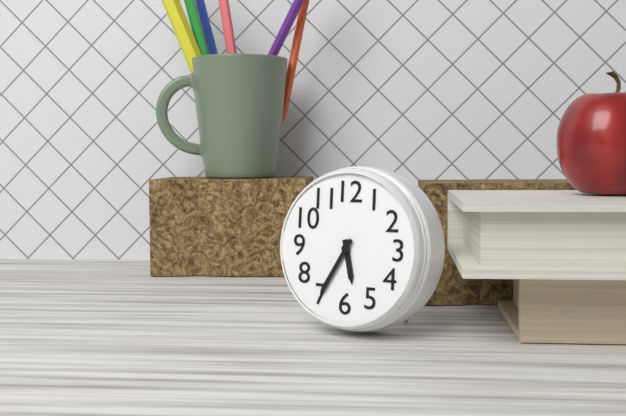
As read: 5h35
